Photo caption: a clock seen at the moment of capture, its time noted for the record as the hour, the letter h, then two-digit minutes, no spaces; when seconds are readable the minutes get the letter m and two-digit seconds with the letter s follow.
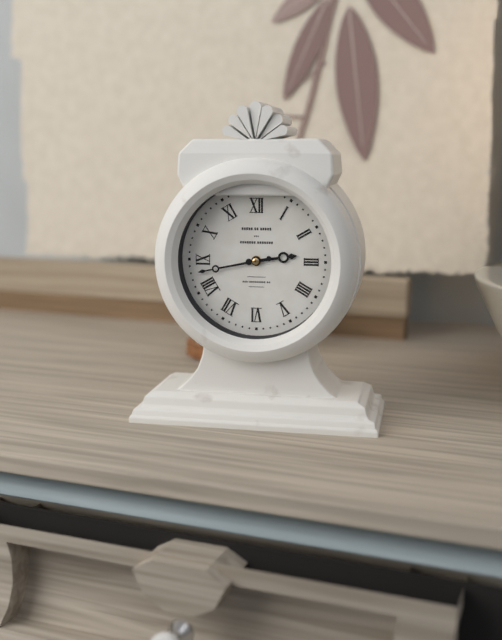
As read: 2h43
